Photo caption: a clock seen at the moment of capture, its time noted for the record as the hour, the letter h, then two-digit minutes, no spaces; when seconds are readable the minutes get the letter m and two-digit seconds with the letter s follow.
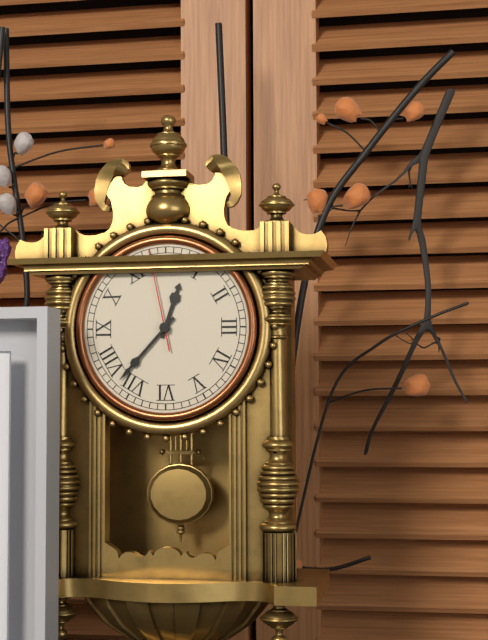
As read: 12h37m58s
